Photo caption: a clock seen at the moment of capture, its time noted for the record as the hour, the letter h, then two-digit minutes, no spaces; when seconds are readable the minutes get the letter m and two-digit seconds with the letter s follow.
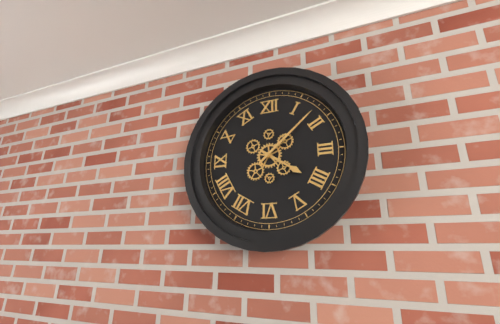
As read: 4h08
